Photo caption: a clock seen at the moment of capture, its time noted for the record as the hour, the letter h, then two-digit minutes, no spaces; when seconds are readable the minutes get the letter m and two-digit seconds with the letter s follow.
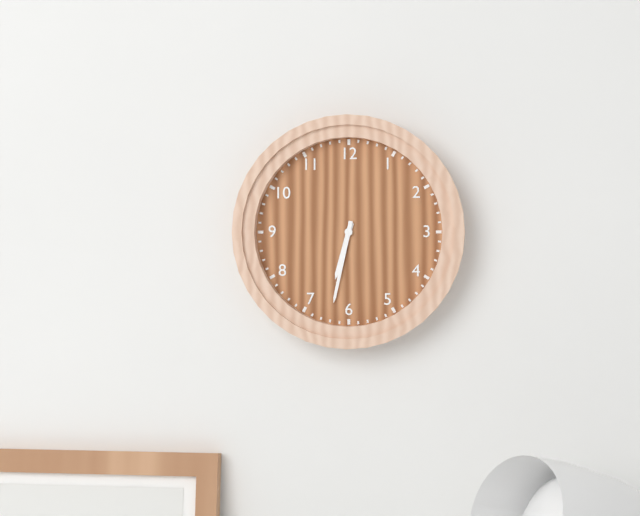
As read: 6h32
